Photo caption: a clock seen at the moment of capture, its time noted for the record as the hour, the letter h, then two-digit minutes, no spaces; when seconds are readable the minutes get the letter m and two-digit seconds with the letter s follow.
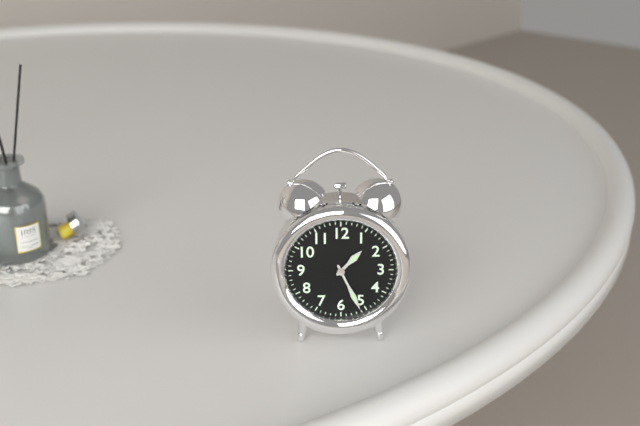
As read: 1h26
